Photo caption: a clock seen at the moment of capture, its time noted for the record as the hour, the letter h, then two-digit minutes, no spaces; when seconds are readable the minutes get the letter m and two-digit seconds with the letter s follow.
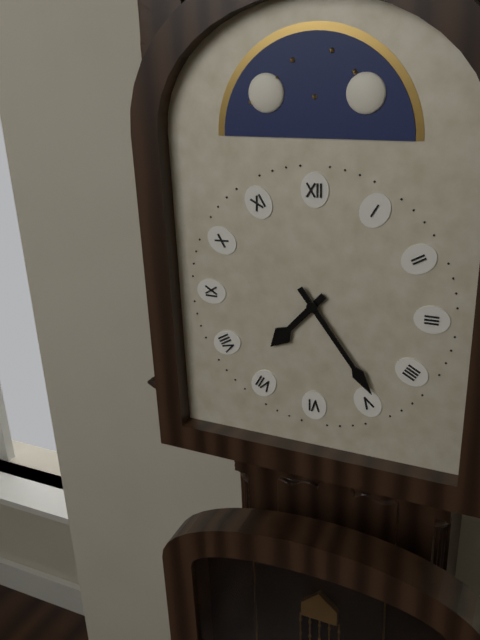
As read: 7h24
